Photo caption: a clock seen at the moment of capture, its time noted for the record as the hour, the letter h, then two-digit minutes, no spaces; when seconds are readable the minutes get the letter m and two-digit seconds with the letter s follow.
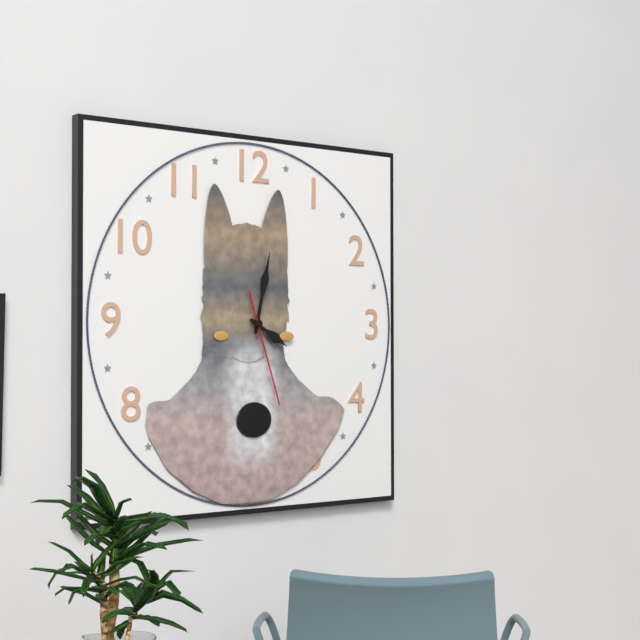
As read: 4h02m27s
